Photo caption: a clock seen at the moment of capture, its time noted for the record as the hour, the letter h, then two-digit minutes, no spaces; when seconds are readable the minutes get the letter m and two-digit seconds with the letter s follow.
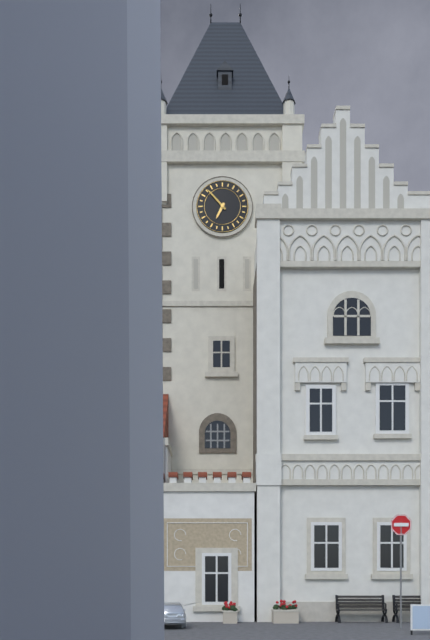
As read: 6h53
